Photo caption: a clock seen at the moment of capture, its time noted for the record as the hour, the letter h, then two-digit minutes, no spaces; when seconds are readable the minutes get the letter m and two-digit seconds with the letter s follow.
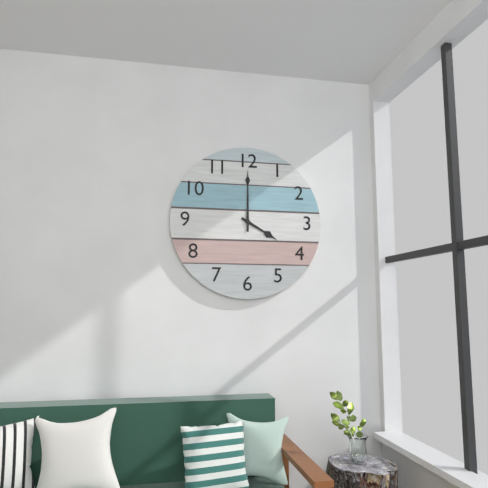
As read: 4h00
